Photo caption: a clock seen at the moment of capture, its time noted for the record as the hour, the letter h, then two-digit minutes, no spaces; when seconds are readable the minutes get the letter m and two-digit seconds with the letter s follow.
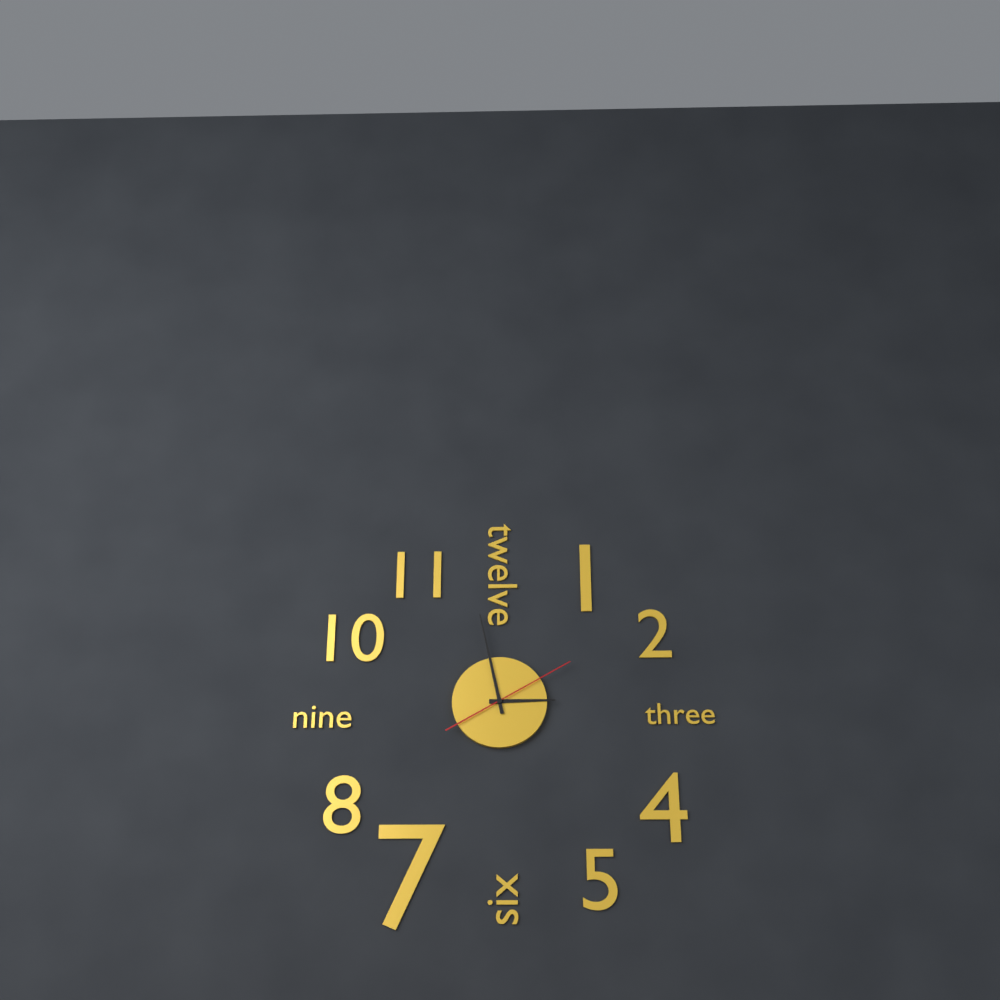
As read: 2h58m10s
